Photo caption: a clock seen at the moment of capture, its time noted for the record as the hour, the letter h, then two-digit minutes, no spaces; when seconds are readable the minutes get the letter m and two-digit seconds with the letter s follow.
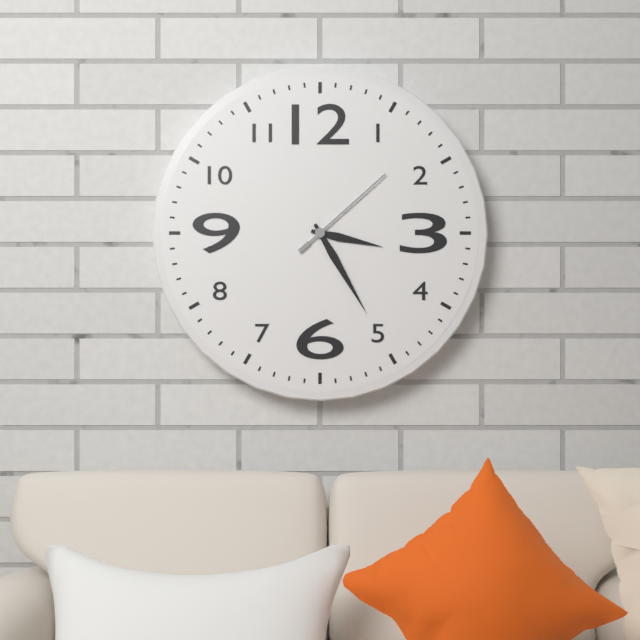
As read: 3h25m08s
